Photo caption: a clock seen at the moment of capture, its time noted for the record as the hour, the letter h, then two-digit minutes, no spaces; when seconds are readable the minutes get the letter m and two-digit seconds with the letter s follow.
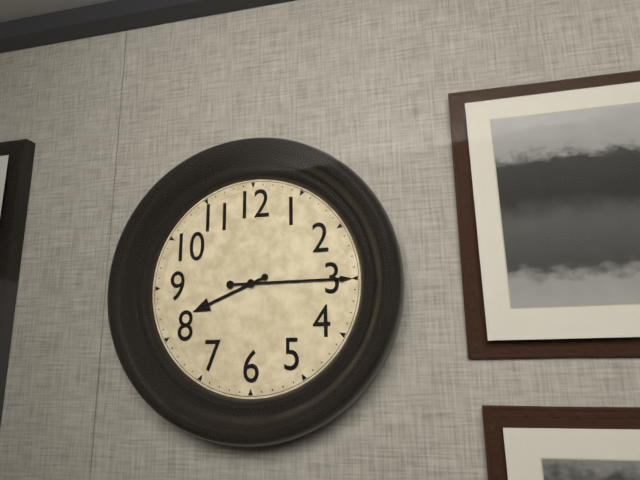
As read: 8h15
